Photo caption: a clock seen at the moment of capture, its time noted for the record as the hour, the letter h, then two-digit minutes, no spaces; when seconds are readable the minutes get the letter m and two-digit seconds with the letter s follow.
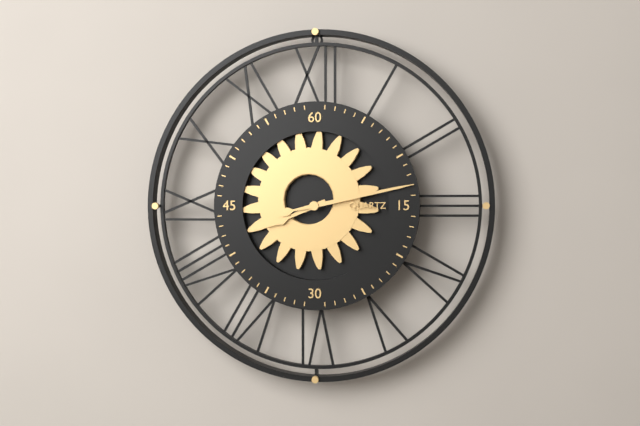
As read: 8h13
